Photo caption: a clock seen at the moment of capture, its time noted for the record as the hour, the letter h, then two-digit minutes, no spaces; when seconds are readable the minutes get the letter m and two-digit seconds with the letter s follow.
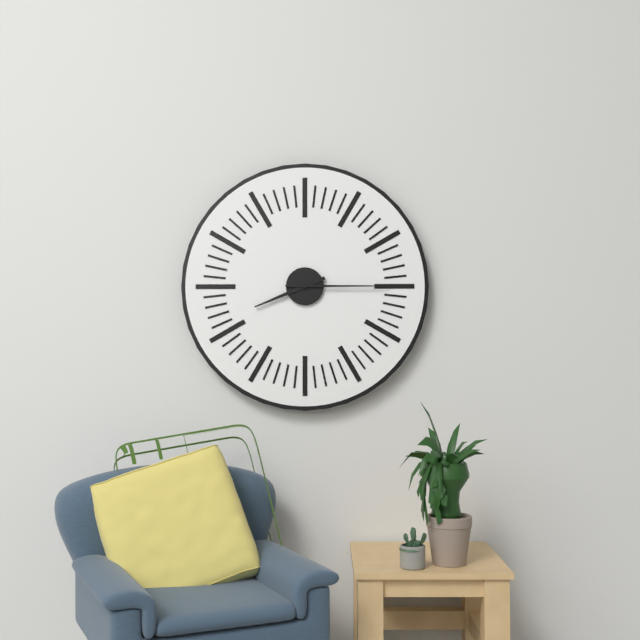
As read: 8h15
